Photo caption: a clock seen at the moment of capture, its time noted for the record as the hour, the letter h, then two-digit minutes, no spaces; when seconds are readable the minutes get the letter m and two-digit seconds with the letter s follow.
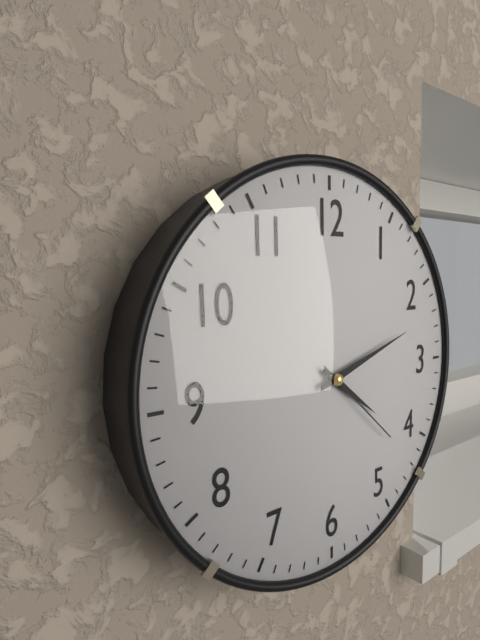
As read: 4h12m22s
